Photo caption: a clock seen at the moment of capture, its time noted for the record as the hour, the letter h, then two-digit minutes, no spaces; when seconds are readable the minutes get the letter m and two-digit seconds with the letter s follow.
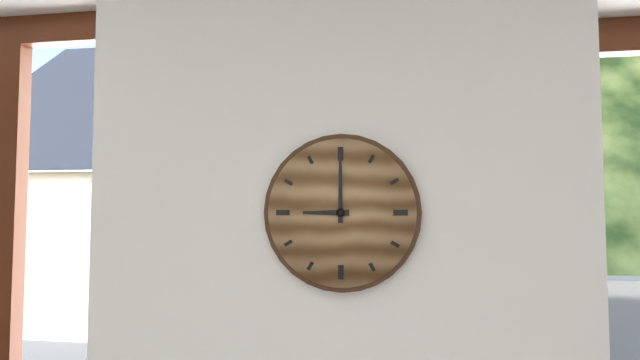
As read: 9h00
